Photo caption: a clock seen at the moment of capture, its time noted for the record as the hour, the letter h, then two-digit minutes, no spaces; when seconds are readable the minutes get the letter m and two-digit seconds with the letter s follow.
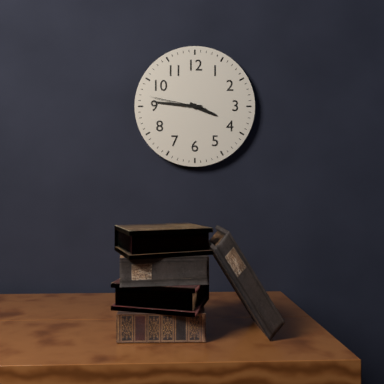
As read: 3h46m47s
